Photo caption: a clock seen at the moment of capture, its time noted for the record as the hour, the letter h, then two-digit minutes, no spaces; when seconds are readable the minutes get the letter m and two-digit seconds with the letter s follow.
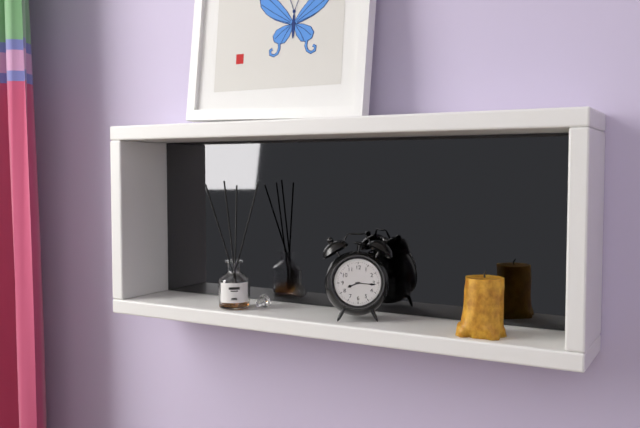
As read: 8h16
